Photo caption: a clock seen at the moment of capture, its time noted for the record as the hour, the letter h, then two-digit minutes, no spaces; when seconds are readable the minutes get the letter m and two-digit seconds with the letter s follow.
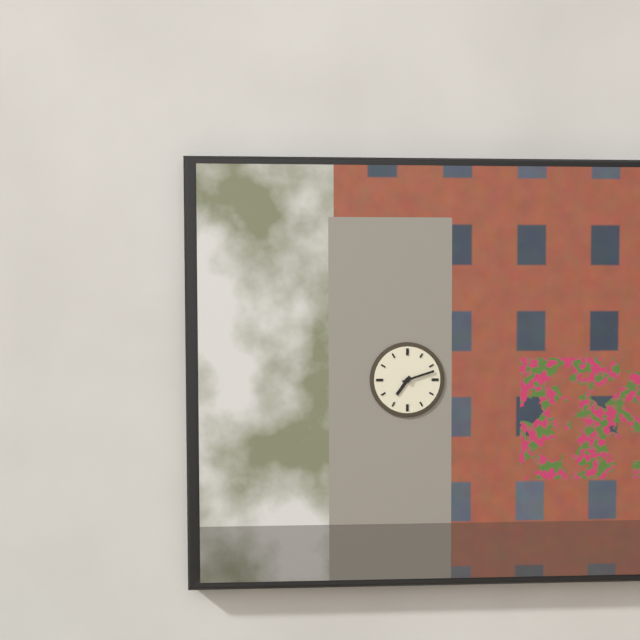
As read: 7h12
